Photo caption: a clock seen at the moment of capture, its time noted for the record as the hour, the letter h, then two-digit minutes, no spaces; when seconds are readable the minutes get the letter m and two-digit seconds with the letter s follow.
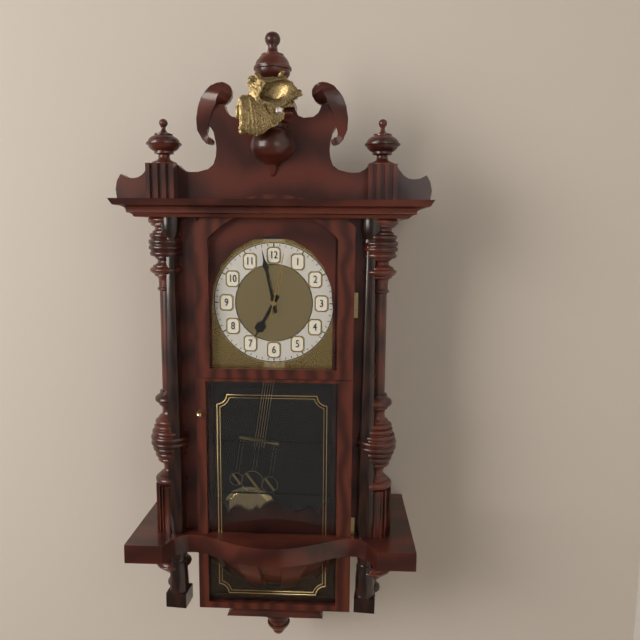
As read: 6h58m02s
